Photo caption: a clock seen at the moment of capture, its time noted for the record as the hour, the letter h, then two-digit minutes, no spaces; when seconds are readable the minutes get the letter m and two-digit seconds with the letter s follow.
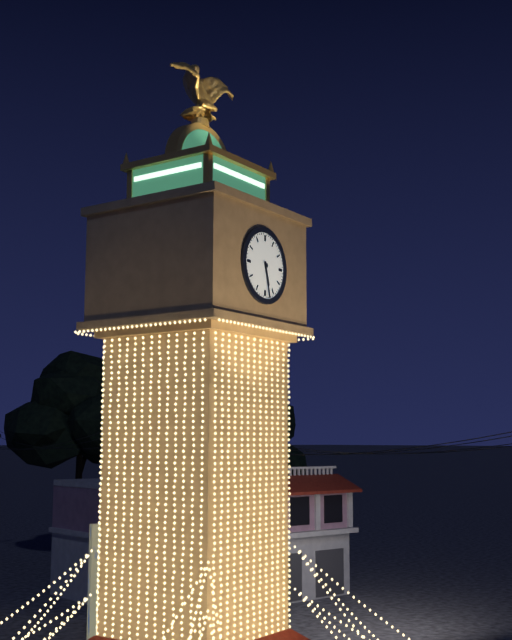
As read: 5h28
